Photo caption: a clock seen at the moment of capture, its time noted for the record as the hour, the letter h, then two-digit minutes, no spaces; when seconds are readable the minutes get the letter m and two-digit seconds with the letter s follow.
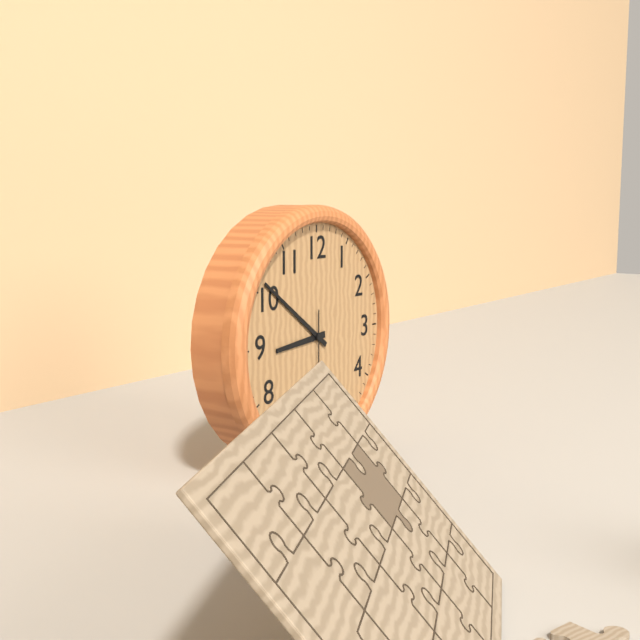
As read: 8h51
